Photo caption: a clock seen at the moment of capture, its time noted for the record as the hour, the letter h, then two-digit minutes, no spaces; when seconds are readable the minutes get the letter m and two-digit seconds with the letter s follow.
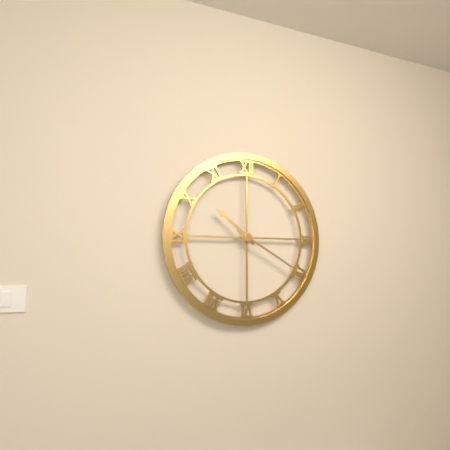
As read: 10h20
